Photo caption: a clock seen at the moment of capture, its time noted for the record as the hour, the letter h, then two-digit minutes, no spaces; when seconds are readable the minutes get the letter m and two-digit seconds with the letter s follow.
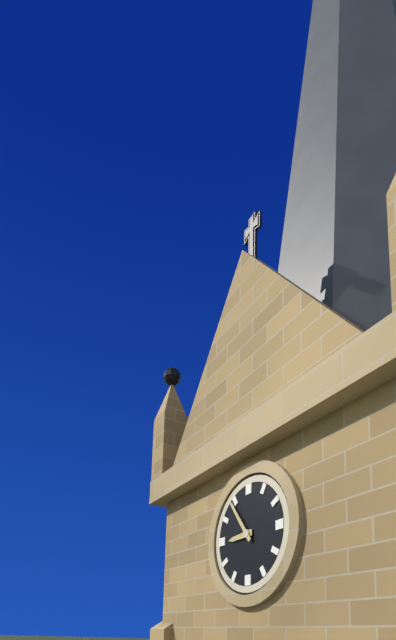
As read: 8h54
